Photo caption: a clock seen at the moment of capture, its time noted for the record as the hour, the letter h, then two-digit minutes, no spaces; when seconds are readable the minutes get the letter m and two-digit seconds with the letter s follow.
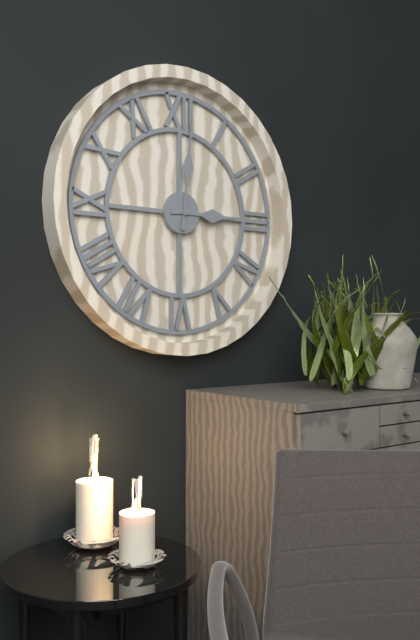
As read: 3h01
